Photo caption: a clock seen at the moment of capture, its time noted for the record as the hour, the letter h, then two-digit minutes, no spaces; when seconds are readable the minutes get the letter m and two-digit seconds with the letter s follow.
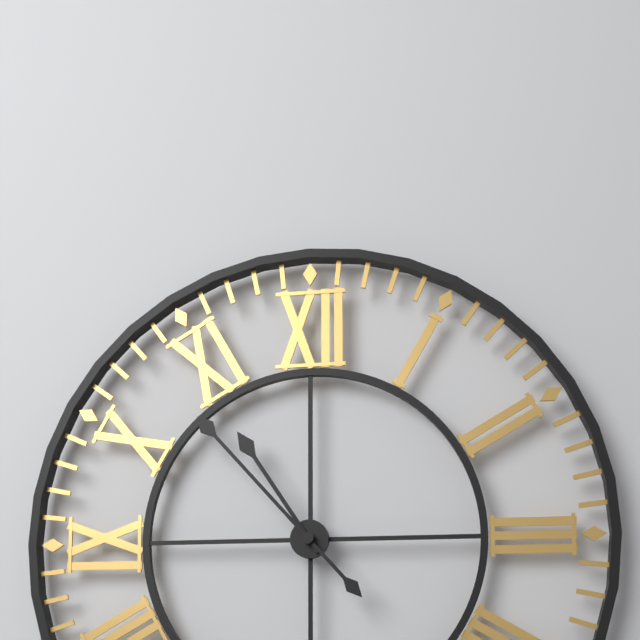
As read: 10h53
